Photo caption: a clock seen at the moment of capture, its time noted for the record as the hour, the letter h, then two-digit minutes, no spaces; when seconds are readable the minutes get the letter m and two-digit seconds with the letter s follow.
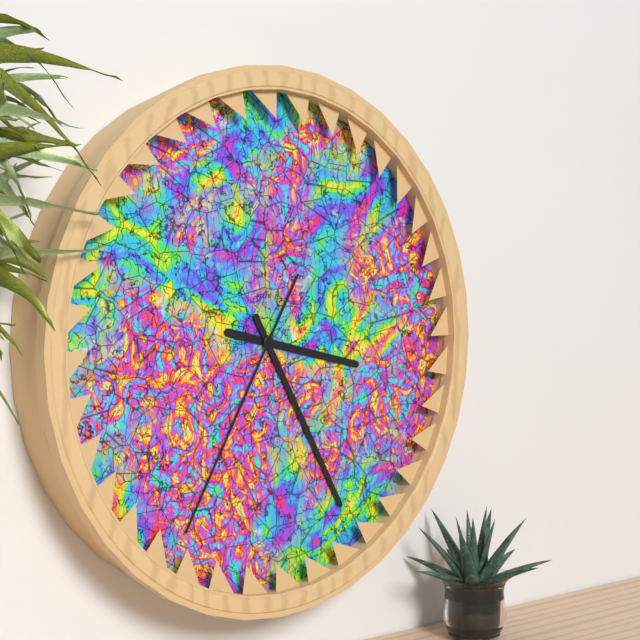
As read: 3h25m35s
